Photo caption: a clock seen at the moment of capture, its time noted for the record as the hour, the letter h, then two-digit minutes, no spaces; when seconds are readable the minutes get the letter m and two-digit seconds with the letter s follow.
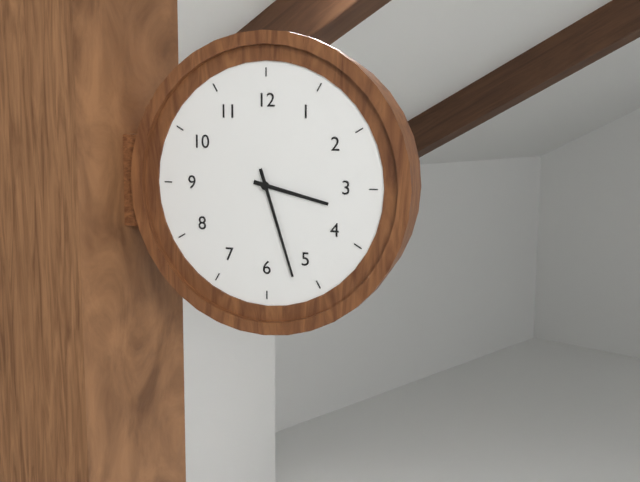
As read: 3h27
